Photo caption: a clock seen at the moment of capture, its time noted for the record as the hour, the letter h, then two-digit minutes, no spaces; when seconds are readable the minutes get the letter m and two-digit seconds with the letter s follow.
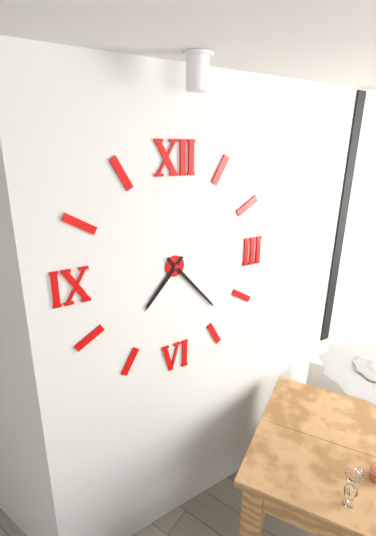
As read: 7h23
